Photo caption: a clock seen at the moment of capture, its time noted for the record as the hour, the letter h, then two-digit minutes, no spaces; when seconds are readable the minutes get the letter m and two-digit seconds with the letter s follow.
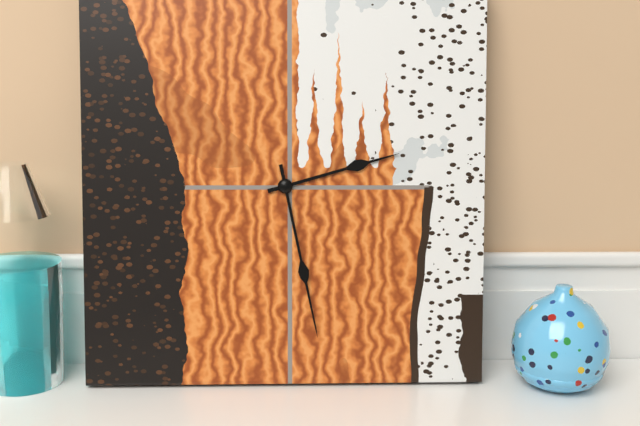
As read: 2h28
